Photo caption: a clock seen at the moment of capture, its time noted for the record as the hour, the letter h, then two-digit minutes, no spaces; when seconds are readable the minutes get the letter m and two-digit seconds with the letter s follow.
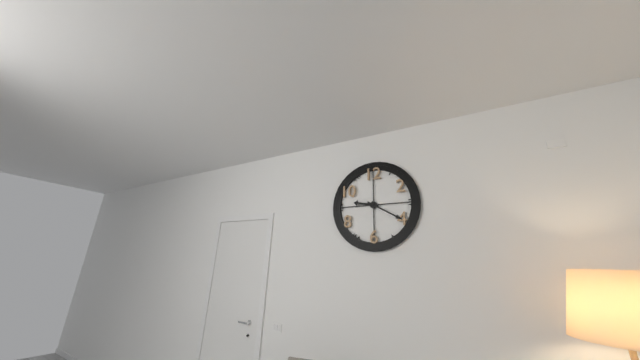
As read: 9h20
